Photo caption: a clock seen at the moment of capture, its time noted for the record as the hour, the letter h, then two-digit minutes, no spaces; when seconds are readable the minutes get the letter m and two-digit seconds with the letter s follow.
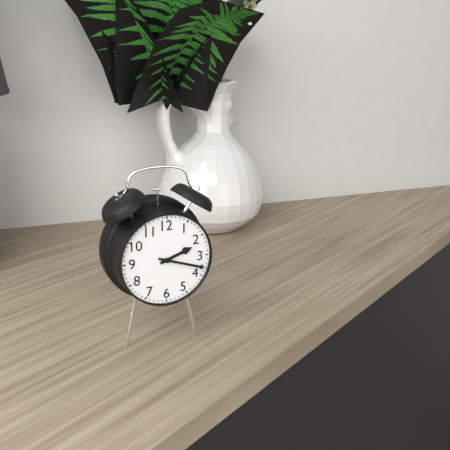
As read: 2h18
